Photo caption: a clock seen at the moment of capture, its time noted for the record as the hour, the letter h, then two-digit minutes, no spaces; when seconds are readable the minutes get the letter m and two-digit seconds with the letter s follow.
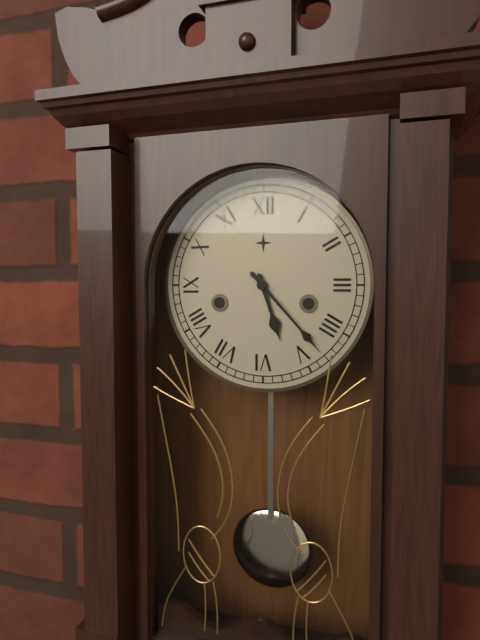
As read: 5h23
